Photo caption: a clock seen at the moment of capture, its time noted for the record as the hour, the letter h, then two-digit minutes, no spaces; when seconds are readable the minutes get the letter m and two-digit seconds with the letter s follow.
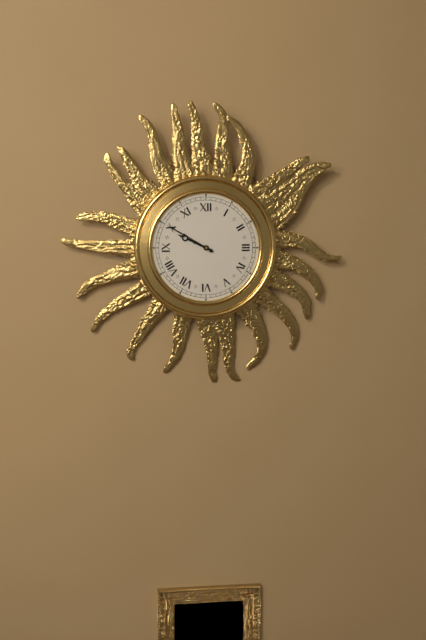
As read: 9h50
